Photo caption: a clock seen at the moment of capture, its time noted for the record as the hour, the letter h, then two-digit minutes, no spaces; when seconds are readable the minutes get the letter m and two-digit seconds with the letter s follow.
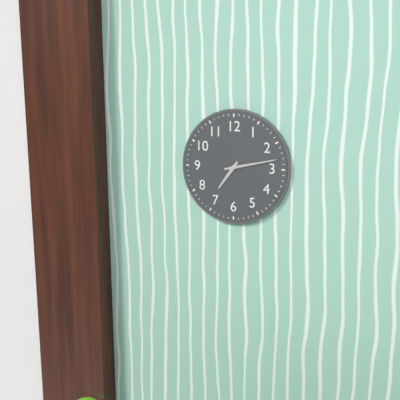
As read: 7h13
